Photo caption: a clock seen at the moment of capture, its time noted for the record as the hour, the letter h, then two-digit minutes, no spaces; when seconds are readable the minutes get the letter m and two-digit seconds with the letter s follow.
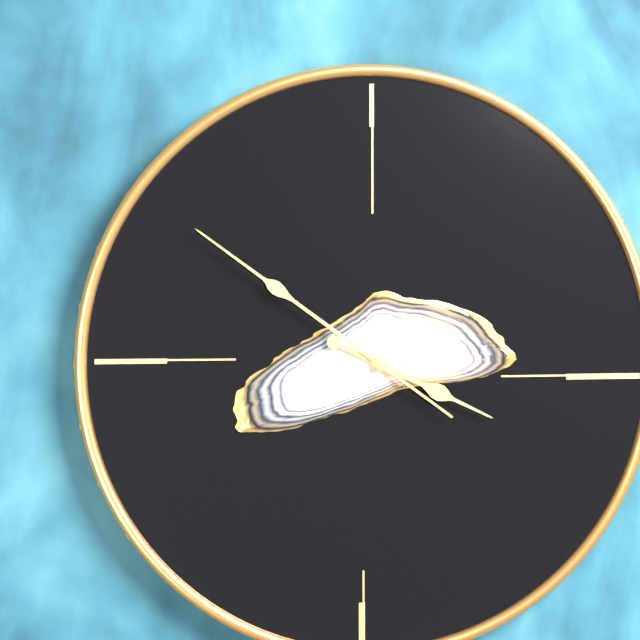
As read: 3h51
